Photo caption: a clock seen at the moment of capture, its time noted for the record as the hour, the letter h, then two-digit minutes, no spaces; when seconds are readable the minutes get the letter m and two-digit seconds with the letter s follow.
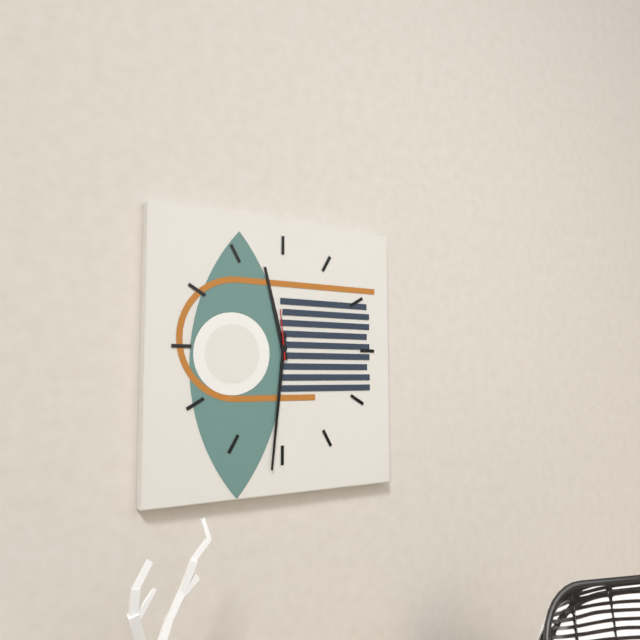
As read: 11h31
